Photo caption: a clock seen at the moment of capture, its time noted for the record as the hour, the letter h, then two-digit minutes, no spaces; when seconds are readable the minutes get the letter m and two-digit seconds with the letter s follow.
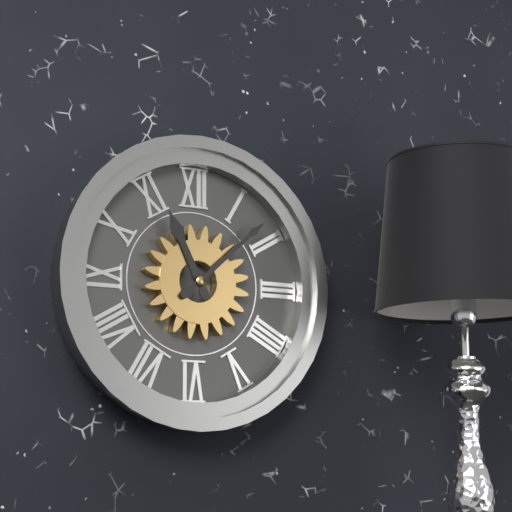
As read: 11h08
